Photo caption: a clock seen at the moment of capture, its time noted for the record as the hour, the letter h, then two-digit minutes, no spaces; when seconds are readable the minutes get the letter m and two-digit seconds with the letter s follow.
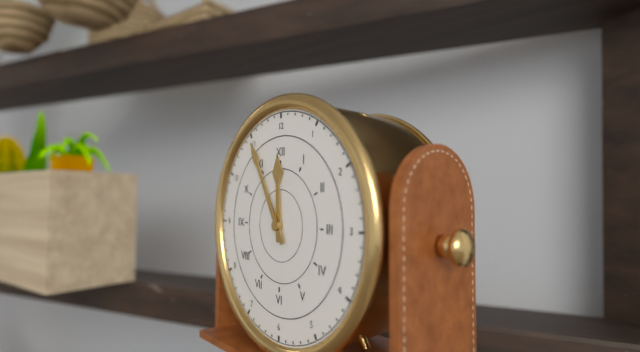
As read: 11h55
